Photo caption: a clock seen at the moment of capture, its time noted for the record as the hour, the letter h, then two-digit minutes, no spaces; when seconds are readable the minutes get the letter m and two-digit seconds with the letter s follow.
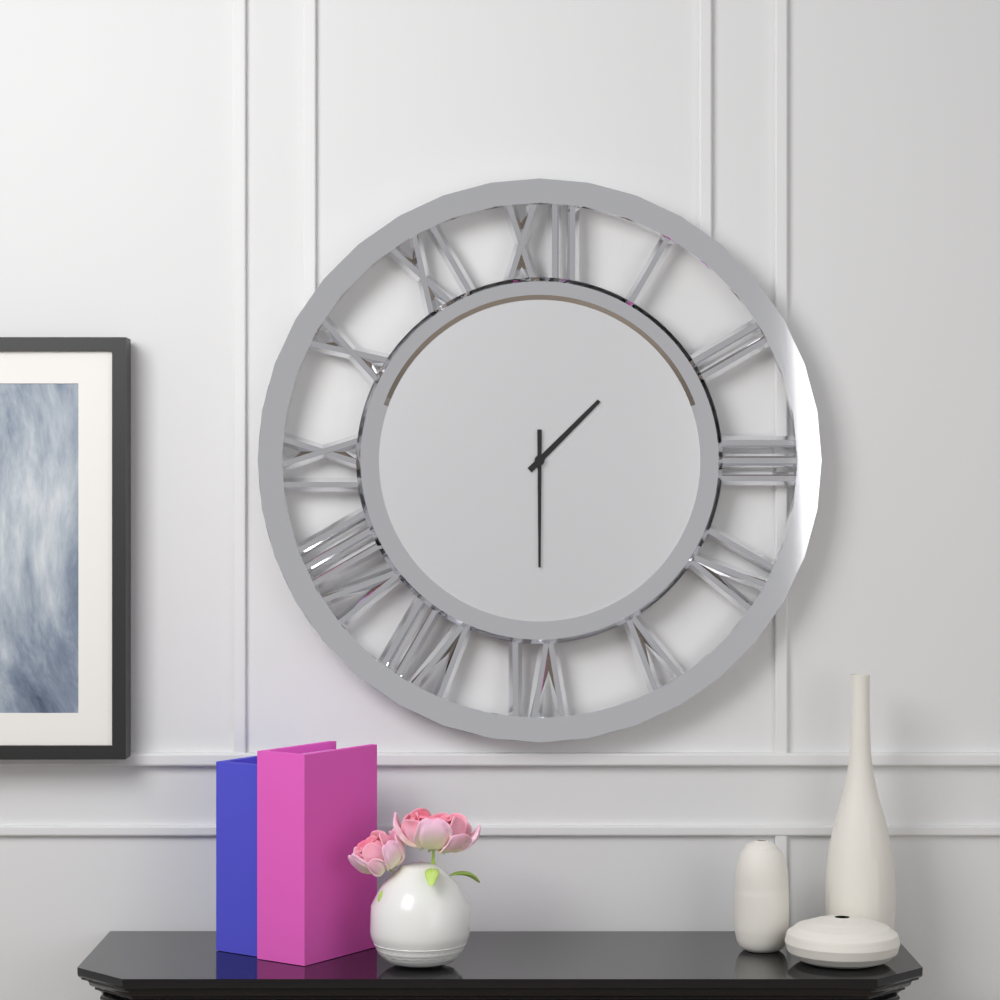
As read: 1h30
